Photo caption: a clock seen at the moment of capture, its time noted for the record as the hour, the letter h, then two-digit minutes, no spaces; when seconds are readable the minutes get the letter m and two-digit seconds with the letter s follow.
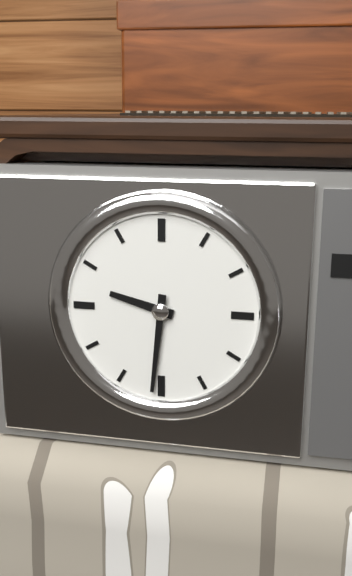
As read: 9h31
